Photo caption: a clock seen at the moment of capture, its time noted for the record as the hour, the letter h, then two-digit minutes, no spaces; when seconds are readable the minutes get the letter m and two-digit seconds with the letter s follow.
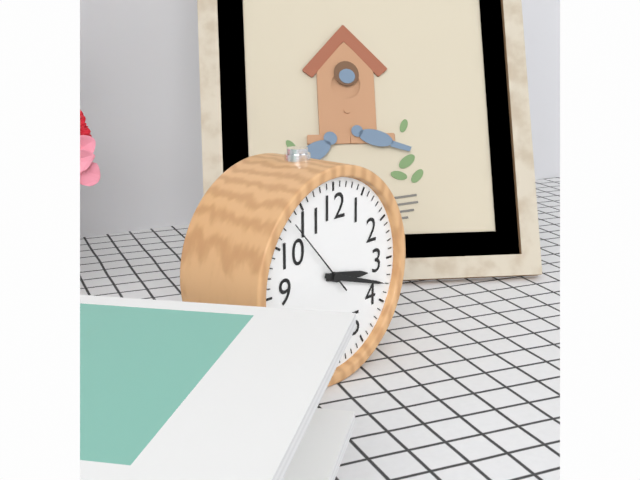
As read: 3h18m53s
